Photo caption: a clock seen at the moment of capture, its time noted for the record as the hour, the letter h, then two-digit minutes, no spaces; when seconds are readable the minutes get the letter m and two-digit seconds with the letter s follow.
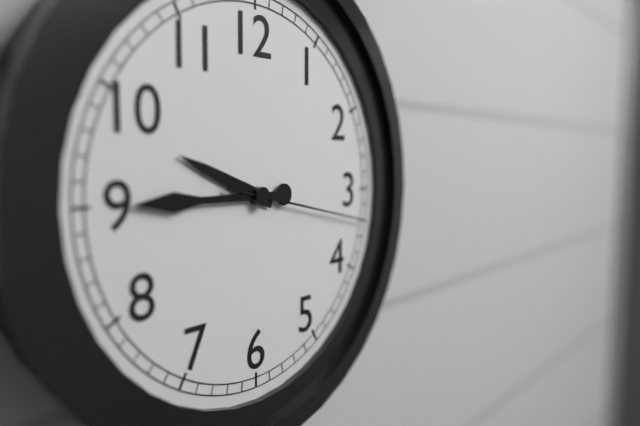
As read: 9h45m17s
